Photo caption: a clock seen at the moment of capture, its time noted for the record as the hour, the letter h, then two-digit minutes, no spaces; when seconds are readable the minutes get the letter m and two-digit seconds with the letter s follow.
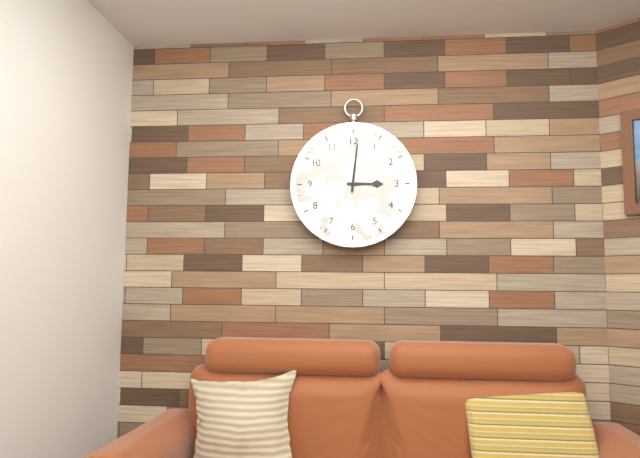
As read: 3h01
